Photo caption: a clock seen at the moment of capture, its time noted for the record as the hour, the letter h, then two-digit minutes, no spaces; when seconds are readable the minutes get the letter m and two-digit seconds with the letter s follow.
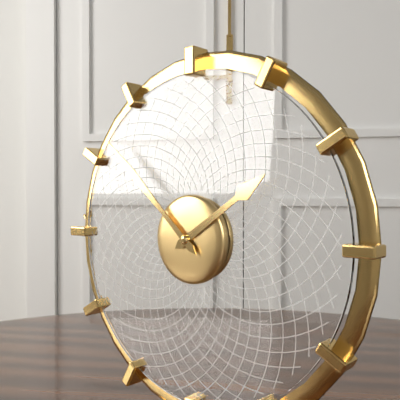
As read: 1h52
